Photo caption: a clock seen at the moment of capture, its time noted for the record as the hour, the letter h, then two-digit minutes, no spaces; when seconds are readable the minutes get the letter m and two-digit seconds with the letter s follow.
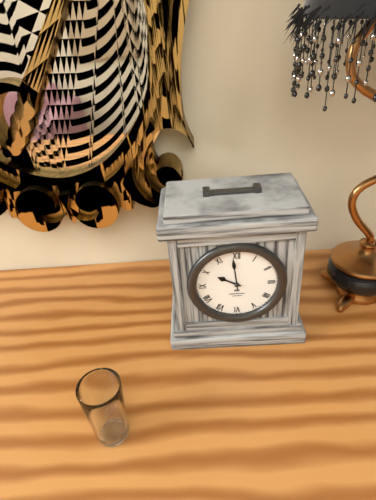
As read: 9h59
